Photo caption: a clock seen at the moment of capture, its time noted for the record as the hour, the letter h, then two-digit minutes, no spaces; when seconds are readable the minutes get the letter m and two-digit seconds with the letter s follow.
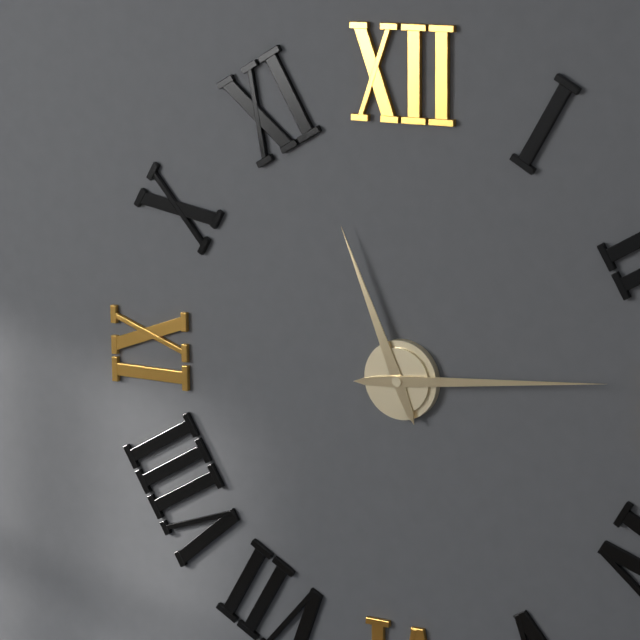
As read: 11h14
